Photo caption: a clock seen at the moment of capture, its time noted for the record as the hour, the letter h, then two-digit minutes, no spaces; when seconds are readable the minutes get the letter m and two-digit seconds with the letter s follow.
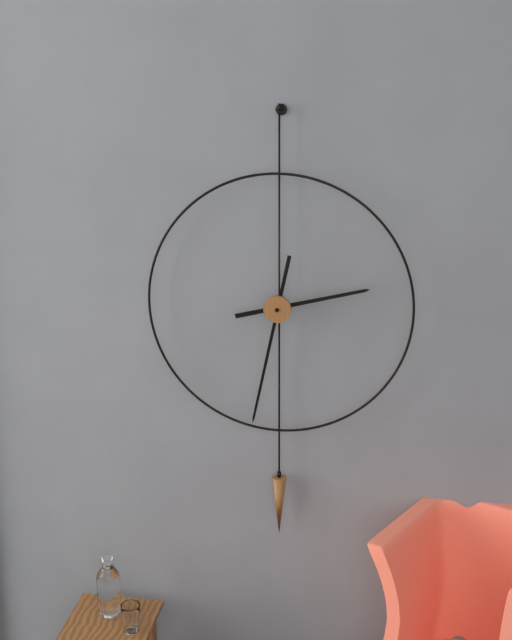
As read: 2h32
